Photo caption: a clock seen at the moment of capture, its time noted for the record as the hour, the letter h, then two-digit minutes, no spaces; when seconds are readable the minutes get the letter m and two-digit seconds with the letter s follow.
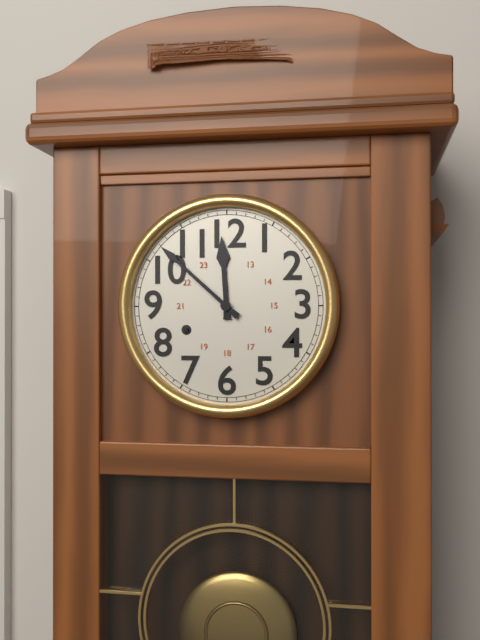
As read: 11h52
